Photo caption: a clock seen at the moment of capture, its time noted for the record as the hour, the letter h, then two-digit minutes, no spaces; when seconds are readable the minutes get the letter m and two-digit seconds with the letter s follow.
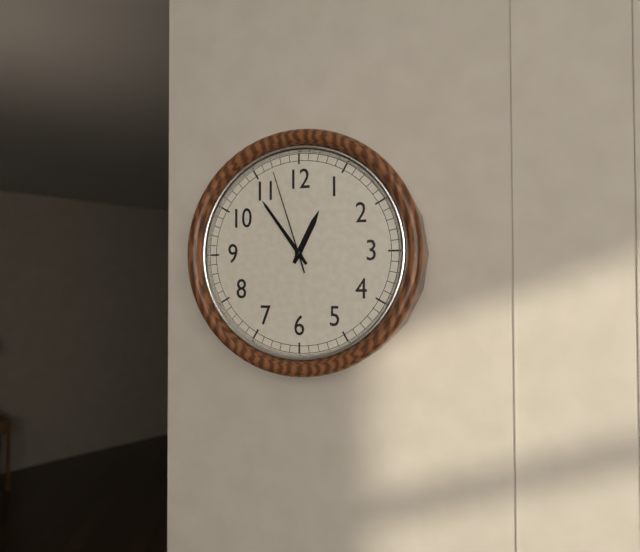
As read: 12h54m57s
